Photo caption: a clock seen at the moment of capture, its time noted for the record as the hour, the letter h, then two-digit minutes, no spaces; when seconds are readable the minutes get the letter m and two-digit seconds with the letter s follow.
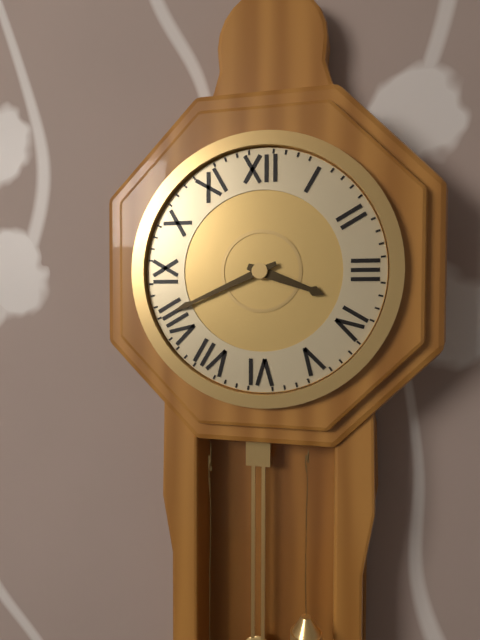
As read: 3h41
